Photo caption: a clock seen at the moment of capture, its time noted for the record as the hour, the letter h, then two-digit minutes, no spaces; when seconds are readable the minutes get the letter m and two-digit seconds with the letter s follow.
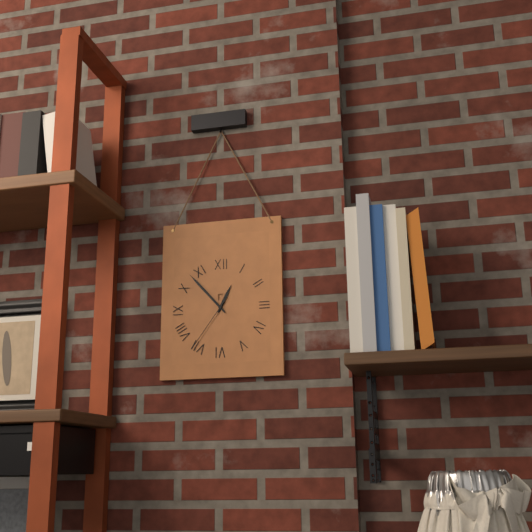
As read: 12h53m36s
